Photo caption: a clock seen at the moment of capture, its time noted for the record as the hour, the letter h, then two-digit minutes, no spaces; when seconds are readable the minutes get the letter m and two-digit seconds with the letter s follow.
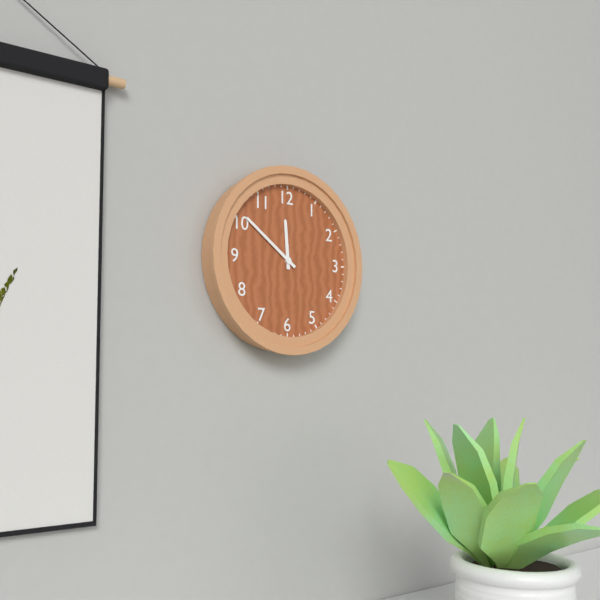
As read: 11h51
